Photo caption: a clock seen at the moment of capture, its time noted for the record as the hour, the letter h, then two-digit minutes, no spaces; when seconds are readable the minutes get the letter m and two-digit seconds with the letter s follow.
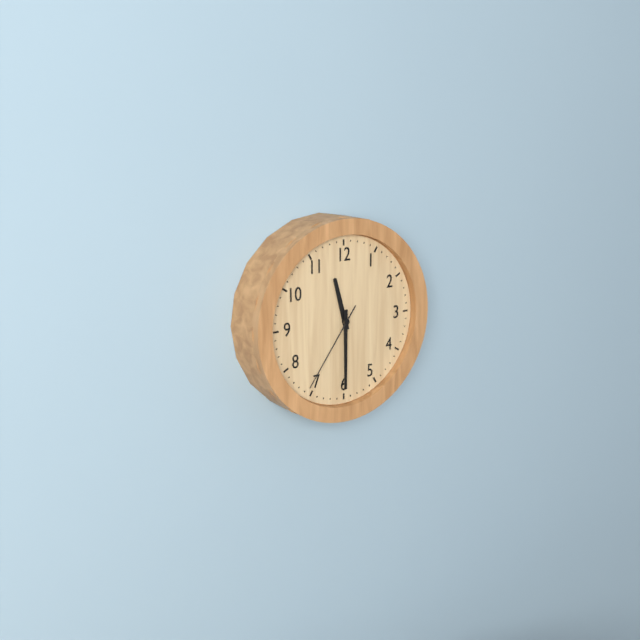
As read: 11h30m36s
